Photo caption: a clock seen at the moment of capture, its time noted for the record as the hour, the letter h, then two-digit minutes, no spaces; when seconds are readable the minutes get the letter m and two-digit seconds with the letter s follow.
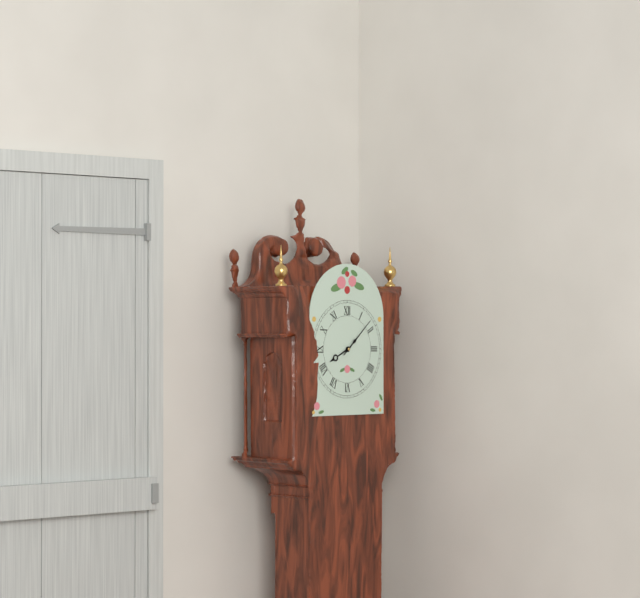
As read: 8h08
